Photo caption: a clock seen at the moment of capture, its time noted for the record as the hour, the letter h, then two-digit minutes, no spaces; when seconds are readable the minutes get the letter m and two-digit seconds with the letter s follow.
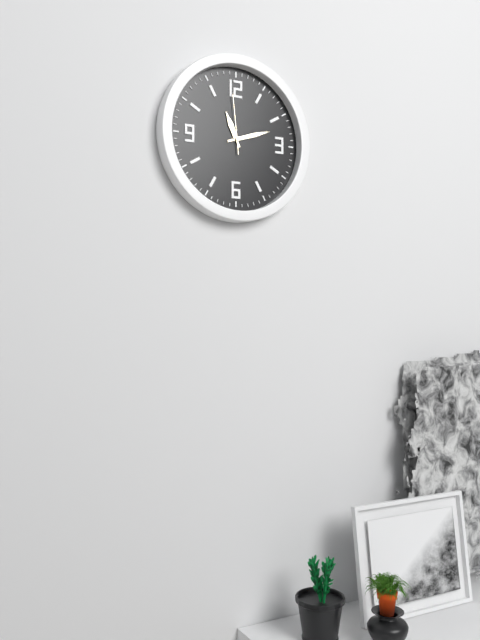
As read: 11h12m59s
